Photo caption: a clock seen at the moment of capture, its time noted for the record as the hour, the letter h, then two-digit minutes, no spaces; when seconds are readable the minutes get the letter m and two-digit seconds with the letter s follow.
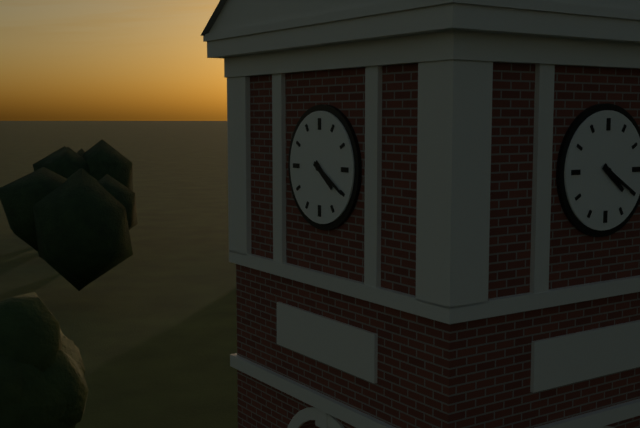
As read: 4h20
